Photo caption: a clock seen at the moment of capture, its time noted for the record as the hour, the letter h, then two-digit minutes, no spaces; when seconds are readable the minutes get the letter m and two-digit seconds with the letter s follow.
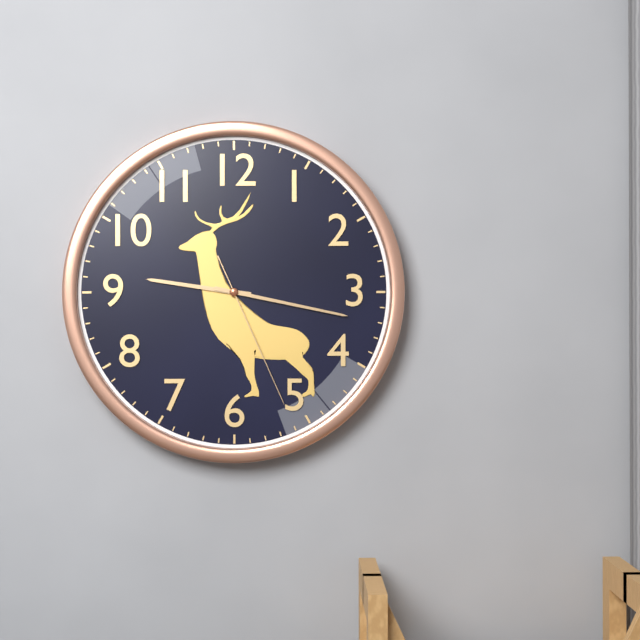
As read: 9h17m26s
